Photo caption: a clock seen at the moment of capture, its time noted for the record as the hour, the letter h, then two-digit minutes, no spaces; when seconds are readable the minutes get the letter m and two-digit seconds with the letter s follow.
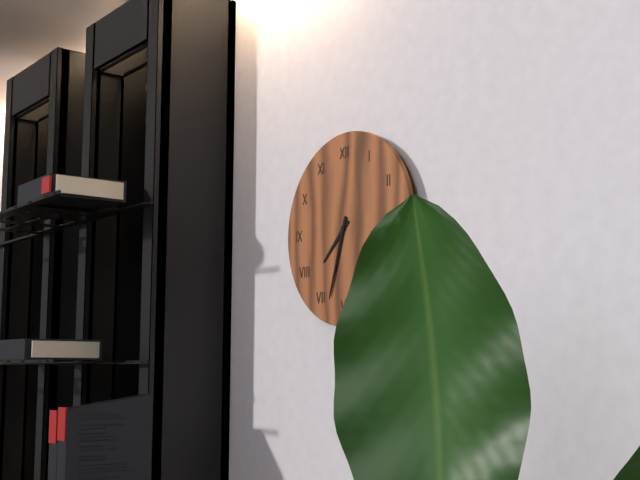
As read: 7h33
